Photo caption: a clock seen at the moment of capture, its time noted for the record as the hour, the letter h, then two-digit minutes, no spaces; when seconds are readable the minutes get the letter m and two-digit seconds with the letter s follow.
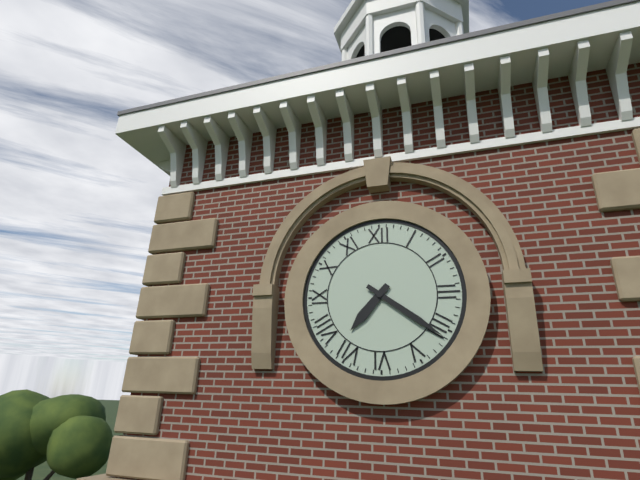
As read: 7h21
